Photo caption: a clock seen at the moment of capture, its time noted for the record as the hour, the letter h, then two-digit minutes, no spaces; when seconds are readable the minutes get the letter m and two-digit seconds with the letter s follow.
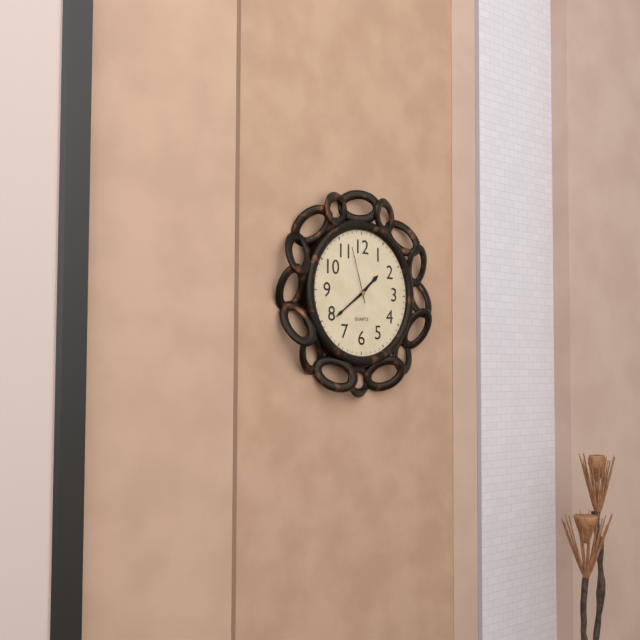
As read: 1h39m57s
